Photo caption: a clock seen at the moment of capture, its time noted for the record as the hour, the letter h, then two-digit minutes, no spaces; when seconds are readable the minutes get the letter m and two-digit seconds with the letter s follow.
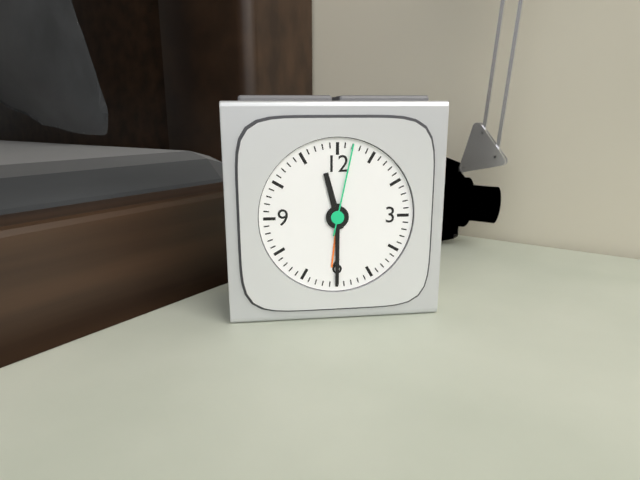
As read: 11h30m02s
